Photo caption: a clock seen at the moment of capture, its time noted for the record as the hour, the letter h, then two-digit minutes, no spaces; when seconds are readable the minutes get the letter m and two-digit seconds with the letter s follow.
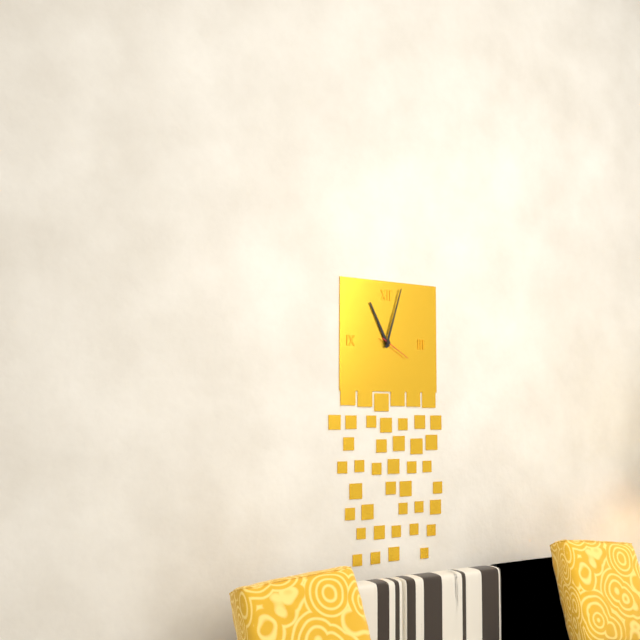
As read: 11h03
